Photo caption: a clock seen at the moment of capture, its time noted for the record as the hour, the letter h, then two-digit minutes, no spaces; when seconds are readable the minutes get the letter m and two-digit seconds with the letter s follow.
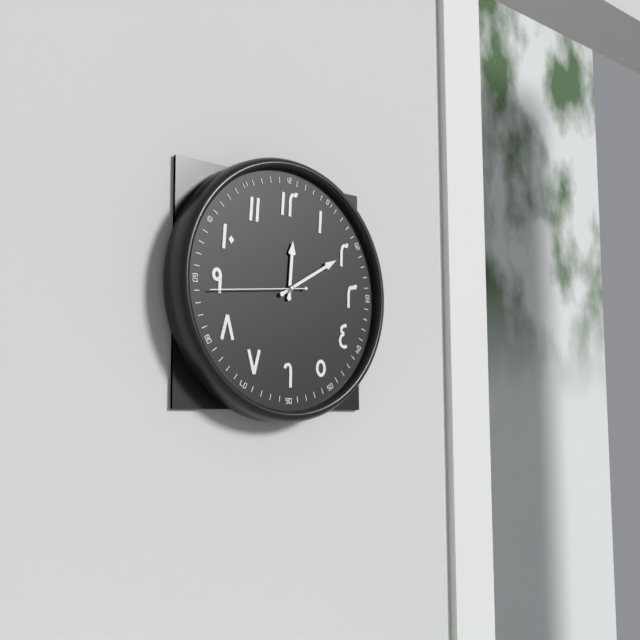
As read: 12h10m44s
